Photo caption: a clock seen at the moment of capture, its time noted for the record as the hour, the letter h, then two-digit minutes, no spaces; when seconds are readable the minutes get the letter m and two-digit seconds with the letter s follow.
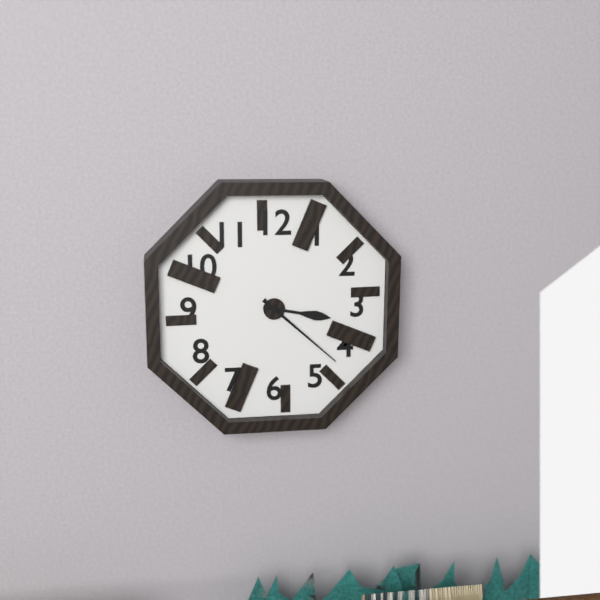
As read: 3h22
